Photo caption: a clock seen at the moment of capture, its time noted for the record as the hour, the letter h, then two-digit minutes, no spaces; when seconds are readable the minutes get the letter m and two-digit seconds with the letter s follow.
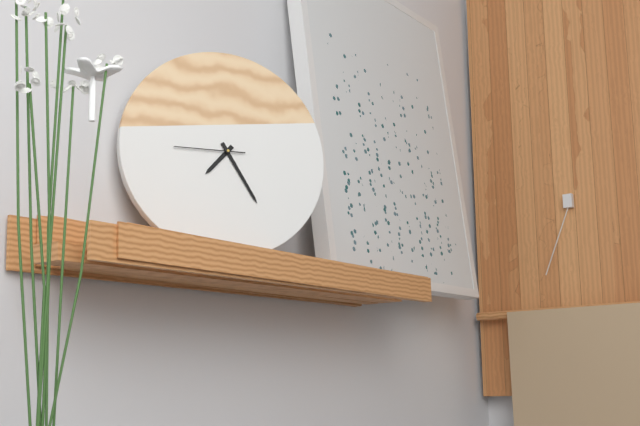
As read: 7h25m45s
